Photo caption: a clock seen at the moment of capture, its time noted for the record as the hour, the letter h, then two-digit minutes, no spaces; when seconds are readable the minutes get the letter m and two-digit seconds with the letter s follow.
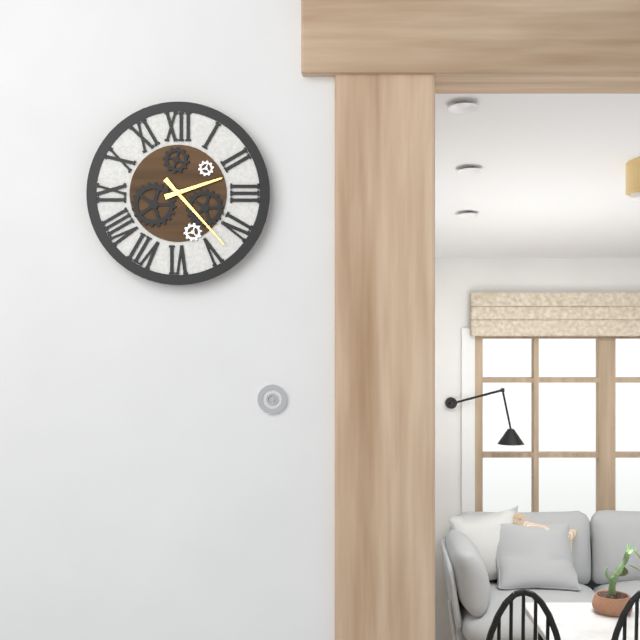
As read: 2h23
